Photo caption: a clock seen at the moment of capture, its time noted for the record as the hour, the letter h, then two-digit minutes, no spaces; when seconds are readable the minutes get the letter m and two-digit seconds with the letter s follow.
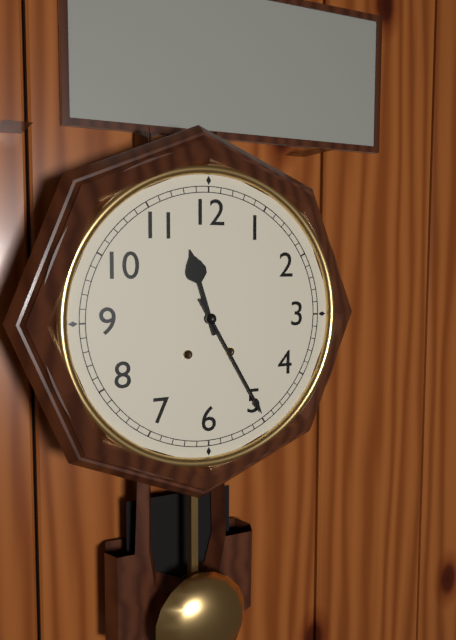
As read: 11h25
